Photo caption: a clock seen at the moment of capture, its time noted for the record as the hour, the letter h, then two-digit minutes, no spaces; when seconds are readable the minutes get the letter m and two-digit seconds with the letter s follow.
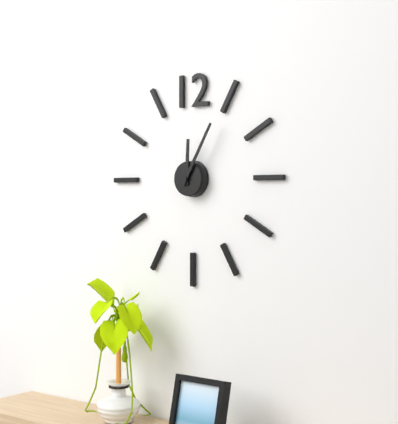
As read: 12h05
